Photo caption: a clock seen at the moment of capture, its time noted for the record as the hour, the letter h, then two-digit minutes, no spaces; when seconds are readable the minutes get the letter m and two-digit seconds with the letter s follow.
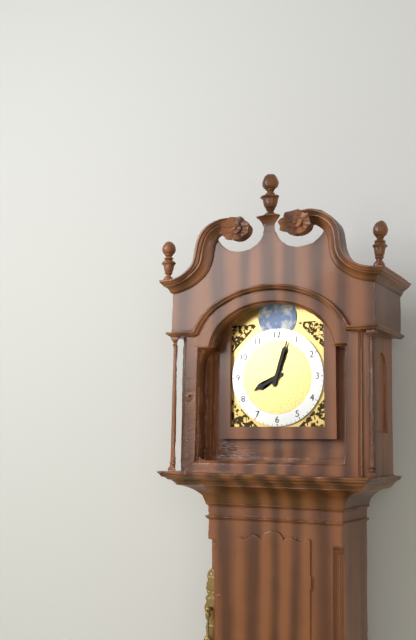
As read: 8h03
